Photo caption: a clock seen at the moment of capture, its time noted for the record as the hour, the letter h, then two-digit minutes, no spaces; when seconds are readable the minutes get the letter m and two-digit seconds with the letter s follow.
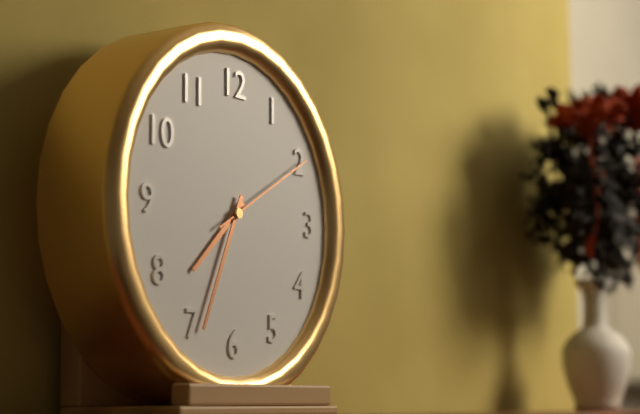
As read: 7h34m10s
